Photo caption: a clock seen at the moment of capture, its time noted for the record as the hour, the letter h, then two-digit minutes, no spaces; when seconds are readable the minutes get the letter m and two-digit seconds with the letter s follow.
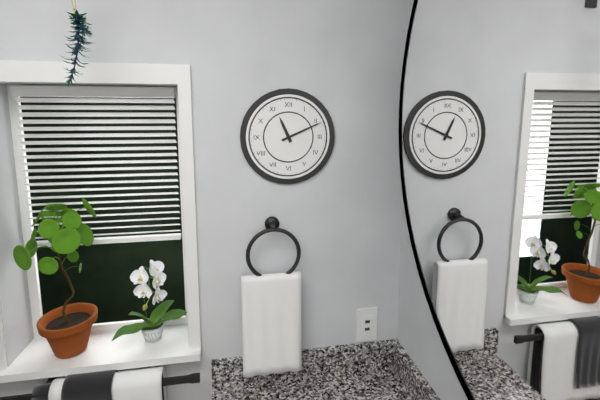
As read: 11h11
